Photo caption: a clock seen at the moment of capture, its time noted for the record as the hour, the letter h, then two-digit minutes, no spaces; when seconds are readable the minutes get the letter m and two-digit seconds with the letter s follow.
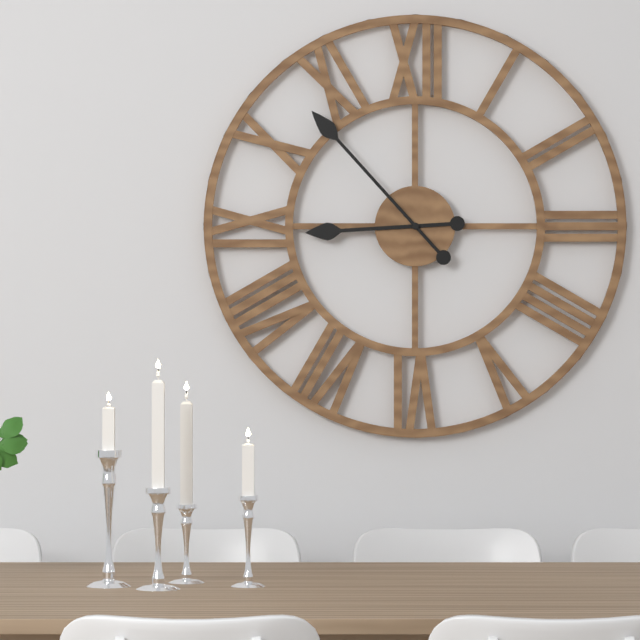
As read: 8h53
